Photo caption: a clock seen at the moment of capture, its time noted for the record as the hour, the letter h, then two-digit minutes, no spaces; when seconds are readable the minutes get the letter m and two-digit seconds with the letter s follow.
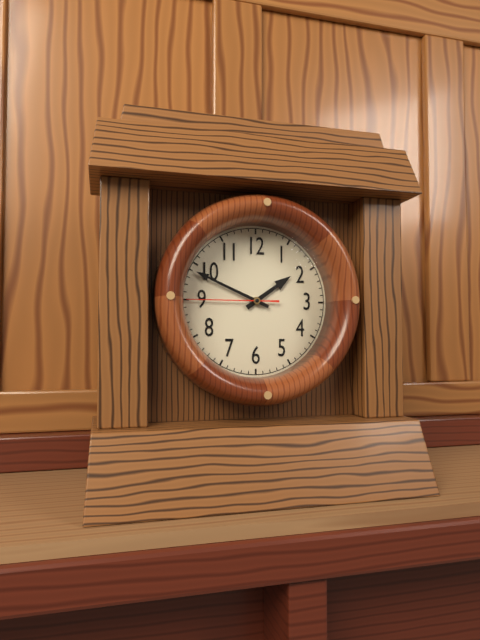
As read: 1h49m45s
